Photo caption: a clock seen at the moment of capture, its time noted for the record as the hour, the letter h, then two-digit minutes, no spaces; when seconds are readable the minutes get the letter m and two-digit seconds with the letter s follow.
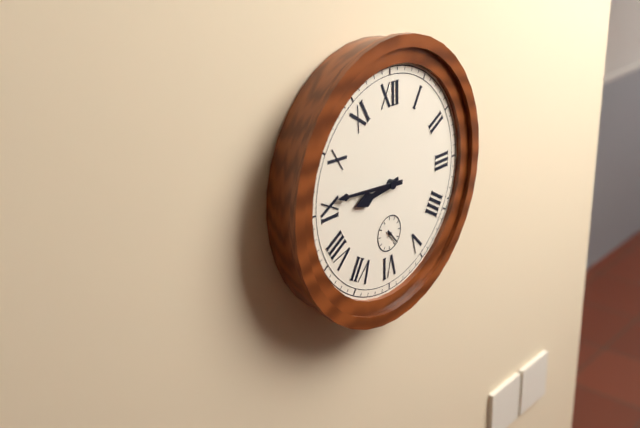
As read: 8h46
